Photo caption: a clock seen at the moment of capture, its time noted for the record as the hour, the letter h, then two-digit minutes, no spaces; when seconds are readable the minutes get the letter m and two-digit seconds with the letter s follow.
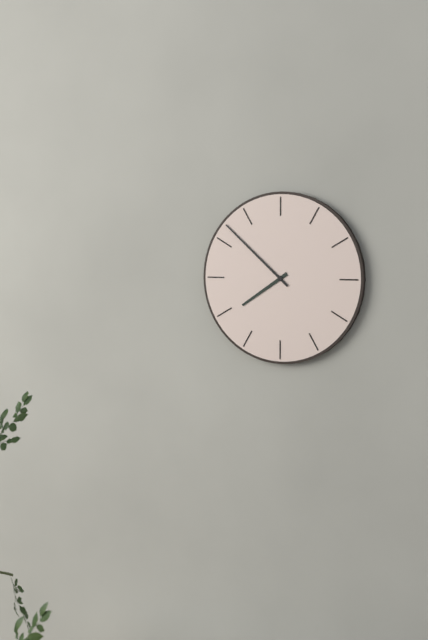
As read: 7h52
